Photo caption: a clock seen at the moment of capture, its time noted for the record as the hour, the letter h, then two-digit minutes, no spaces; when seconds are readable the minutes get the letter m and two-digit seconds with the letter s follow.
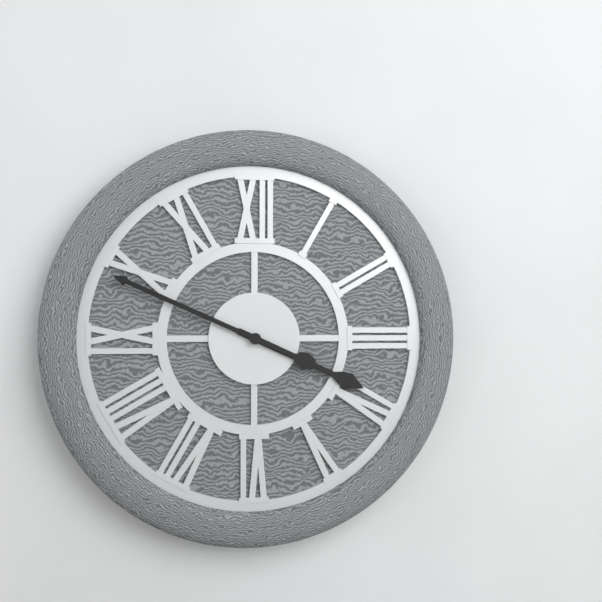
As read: 3h49
